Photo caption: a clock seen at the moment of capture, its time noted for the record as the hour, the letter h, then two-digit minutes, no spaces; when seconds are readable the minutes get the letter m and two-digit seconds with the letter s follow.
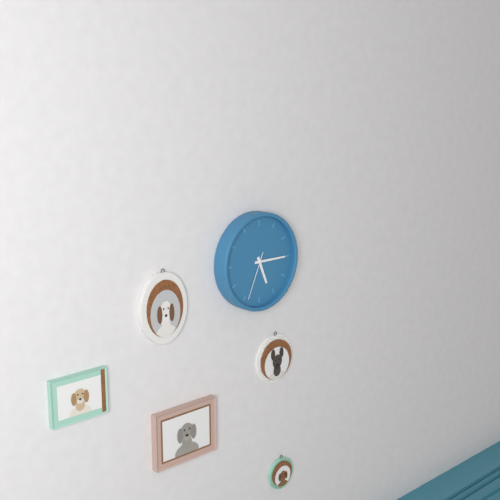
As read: 5h15
